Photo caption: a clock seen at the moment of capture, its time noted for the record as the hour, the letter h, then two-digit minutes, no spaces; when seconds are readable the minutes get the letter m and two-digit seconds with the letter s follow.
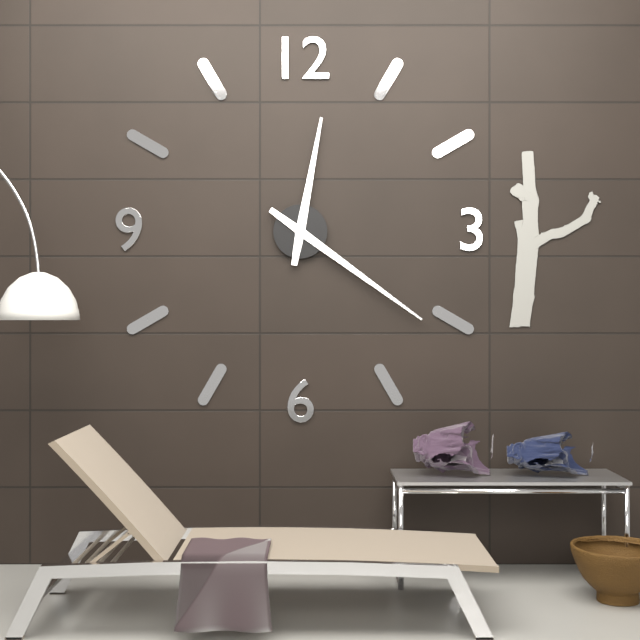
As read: 12h21
